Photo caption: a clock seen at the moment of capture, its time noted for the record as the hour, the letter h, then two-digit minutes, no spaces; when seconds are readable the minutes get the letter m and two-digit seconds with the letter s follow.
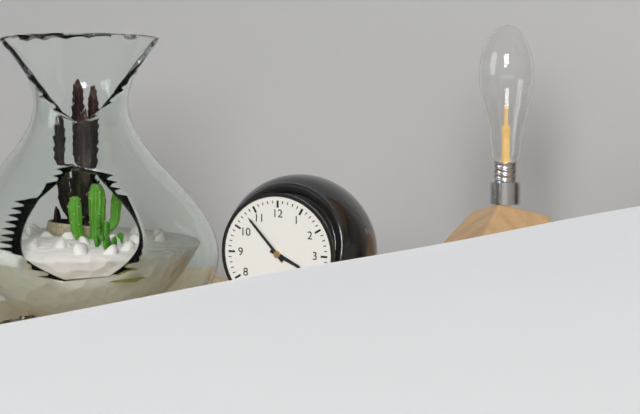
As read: 3h53
